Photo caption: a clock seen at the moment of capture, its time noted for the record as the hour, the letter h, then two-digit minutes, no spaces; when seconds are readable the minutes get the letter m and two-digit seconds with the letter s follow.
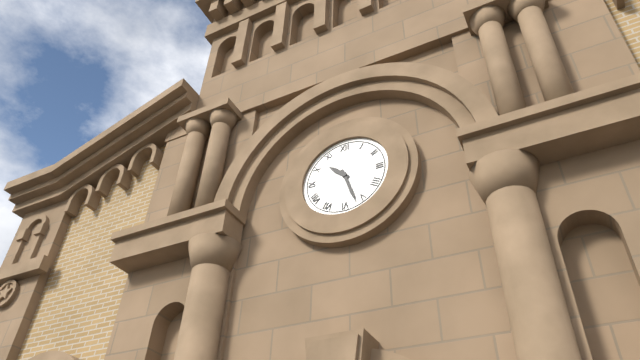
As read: 10h27
